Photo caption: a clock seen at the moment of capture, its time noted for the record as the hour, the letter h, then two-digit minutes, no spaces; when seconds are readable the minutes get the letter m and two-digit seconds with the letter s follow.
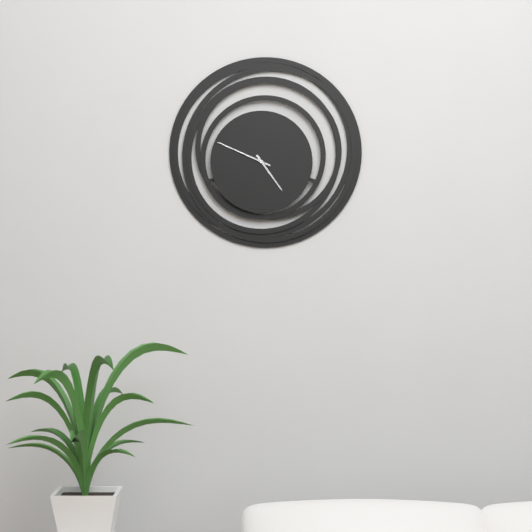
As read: 4h49
